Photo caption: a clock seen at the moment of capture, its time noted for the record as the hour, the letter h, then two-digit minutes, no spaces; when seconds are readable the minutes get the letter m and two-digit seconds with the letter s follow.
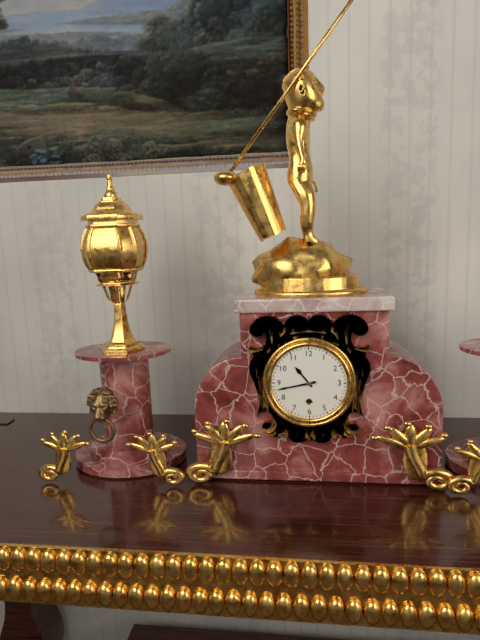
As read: 10h43
